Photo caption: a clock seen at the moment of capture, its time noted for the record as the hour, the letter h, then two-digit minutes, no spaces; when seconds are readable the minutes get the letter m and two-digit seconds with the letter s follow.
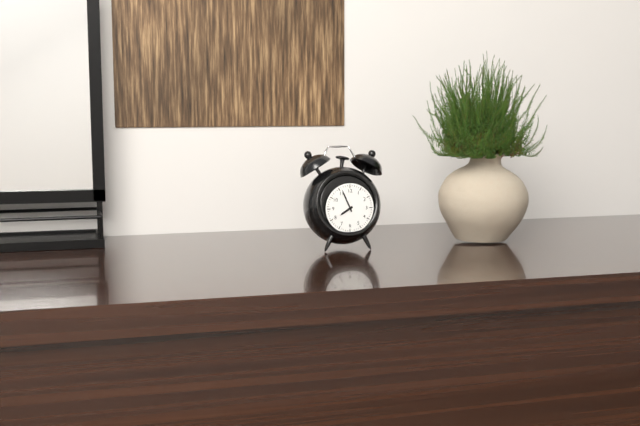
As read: 7h56
